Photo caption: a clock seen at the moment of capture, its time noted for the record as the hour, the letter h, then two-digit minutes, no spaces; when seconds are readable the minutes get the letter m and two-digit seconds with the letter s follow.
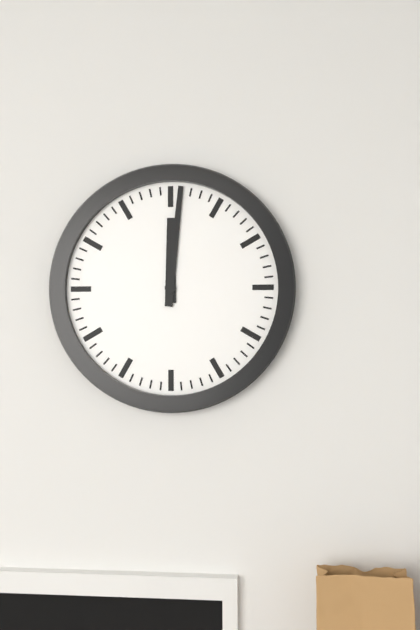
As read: 12h01
